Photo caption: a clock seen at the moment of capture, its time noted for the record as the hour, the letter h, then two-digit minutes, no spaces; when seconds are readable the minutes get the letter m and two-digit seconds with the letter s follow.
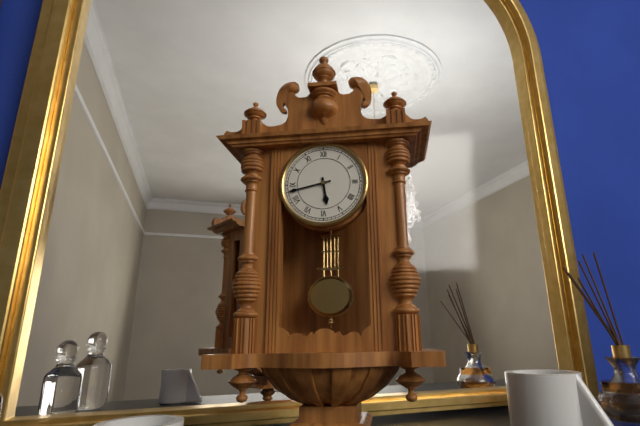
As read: 5h43
